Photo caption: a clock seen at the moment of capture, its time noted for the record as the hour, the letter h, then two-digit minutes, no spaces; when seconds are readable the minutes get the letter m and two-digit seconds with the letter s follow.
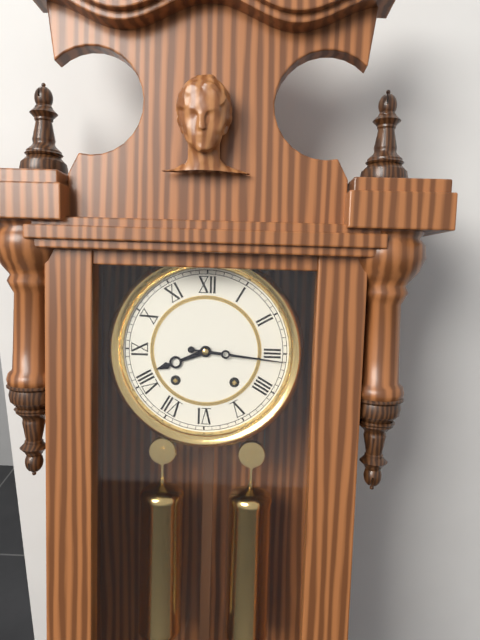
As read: 8h16
